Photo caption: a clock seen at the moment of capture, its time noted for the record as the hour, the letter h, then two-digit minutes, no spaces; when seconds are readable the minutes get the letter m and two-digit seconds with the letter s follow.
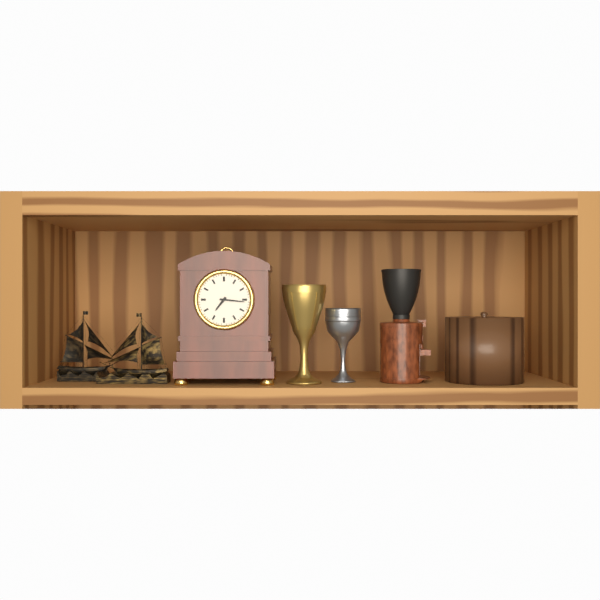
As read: 7h16
